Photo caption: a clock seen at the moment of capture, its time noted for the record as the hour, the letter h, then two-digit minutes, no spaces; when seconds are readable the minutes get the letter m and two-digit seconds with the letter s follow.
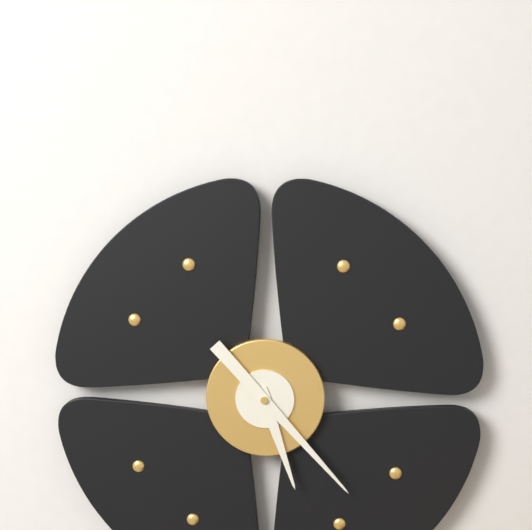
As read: 5h23
